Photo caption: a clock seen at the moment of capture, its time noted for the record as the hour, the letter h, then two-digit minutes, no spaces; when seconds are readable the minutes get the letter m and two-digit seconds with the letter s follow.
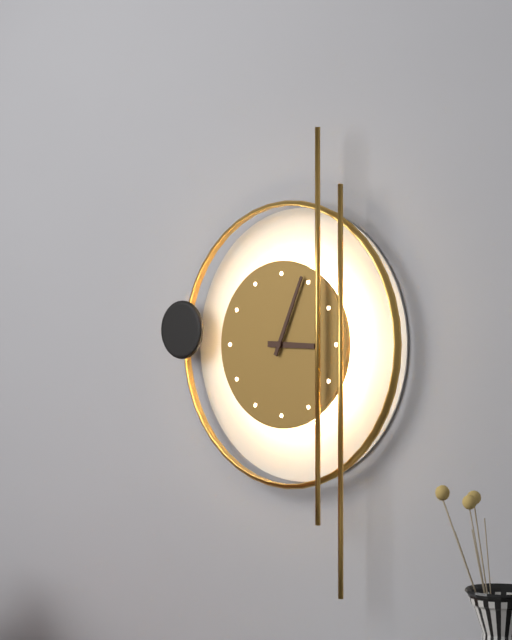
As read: 3h04
